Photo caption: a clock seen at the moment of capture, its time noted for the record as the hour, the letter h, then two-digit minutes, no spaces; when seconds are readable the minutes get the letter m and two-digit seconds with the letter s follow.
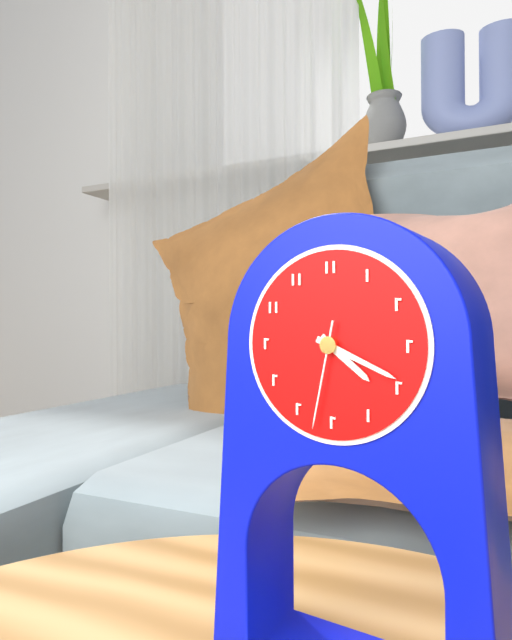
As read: 4h19m32s
